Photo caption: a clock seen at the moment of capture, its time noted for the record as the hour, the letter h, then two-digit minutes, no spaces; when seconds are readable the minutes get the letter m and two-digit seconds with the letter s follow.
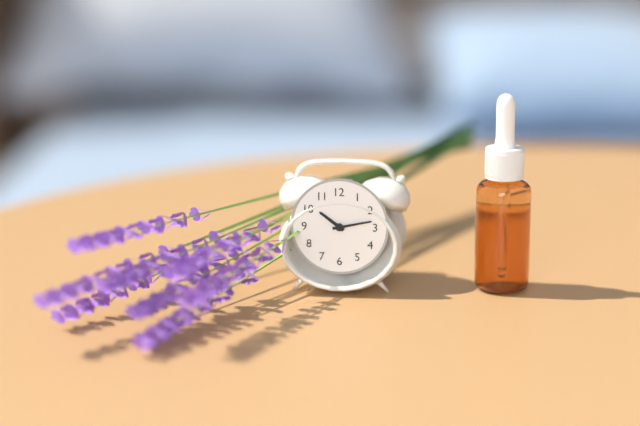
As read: 10h13
